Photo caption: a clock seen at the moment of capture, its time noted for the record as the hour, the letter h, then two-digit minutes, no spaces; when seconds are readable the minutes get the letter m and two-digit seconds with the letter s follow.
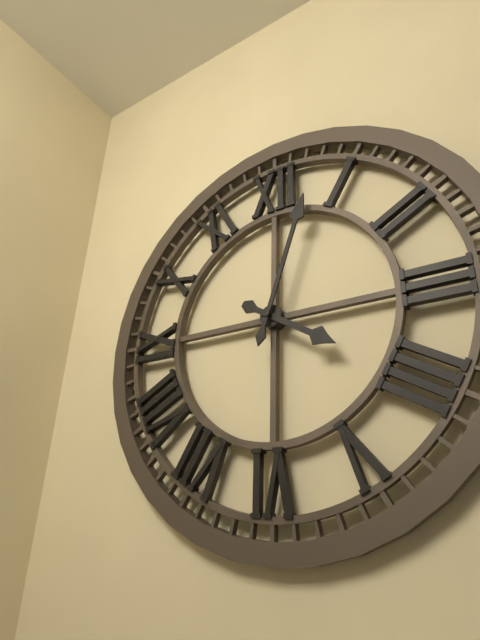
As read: 4h03
